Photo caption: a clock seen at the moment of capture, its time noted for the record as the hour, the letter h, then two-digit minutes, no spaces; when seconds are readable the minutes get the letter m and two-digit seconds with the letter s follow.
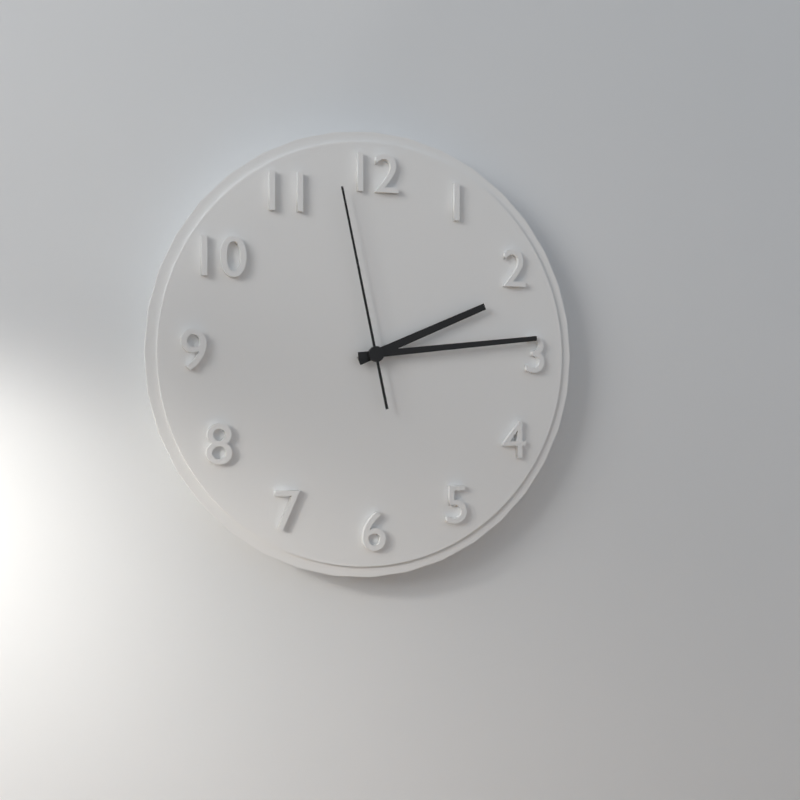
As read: 2h14m58s
